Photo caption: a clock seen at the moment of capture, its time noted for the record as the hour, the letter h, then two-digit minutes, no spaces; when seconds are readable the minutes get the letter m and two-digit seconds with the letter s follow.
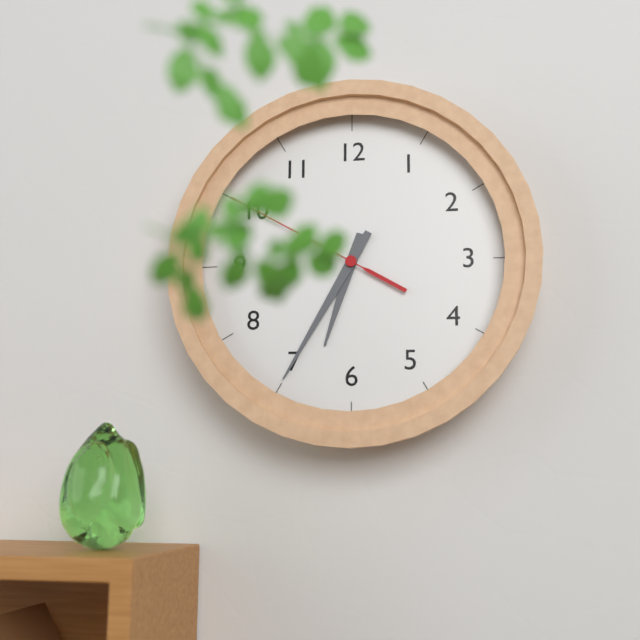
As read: 6h35
